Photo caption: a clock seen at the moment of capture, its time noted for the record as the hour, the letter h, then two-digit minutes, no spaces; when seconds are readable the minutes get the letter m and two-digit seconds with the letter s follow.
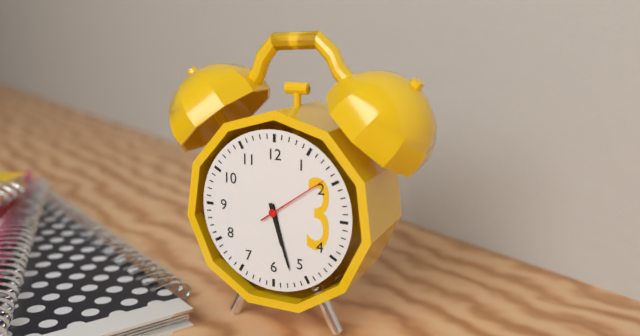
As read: 5h27m09s
